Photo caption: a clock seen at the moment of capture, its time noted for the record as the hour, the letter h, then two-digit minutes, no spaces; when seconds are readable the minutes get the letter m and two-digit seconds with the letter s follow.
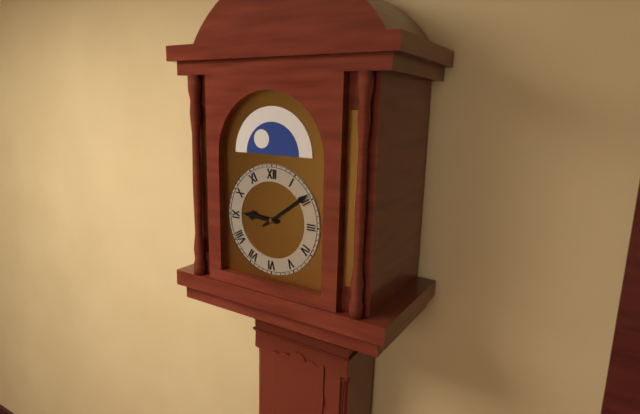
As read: 9h09
